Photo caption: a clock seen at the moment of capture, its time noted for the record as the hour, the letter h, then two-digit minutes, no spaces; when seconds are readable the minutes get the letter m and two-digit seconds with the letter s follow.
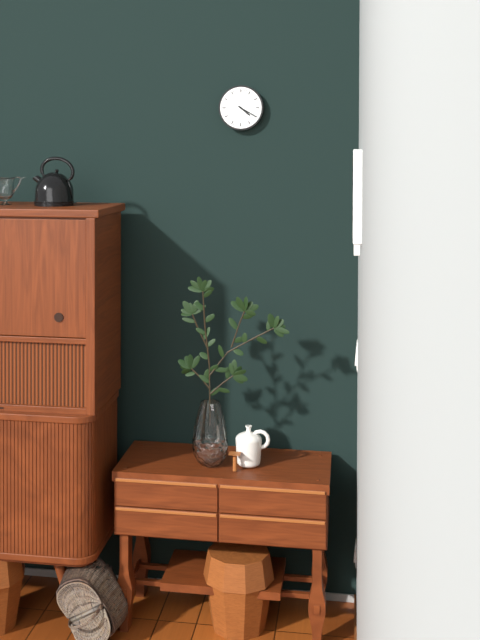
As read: 4h20
